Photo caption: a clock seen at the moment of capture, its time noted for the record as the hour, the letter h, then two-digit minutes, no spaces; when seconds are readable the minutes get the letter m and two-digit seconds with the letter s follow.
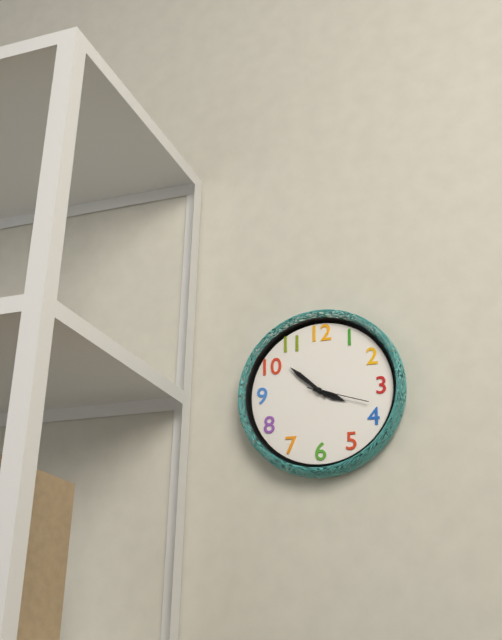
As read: 3h52m18s
